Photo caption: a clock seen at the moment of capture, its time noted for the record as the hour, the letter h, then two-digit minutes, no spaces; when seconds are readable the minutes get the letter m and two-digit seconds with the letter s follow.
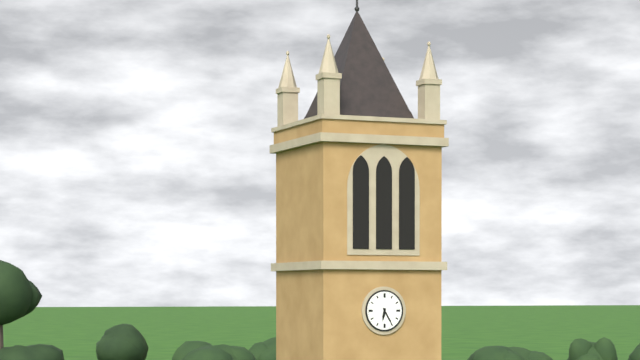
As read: 6h25
